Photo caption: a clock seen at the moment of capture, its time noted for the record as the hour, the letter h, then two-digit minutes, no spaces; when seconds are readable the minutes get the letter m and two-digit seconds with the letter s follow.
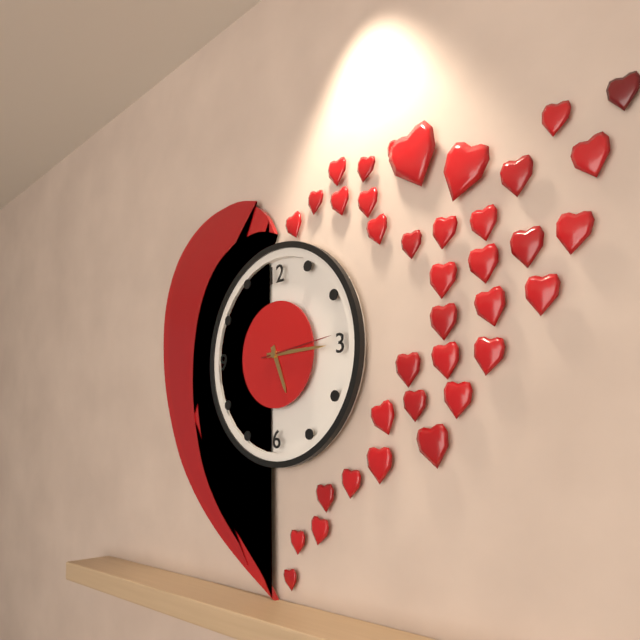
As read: 5h15m14s
